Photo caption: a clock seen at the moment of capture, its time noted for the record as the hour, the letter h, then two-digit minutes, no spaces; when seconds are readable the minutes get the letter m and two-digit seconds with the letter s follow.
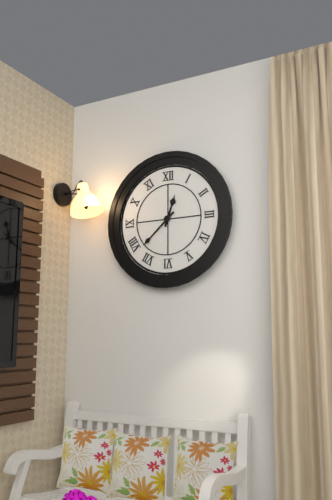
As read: 12h38
